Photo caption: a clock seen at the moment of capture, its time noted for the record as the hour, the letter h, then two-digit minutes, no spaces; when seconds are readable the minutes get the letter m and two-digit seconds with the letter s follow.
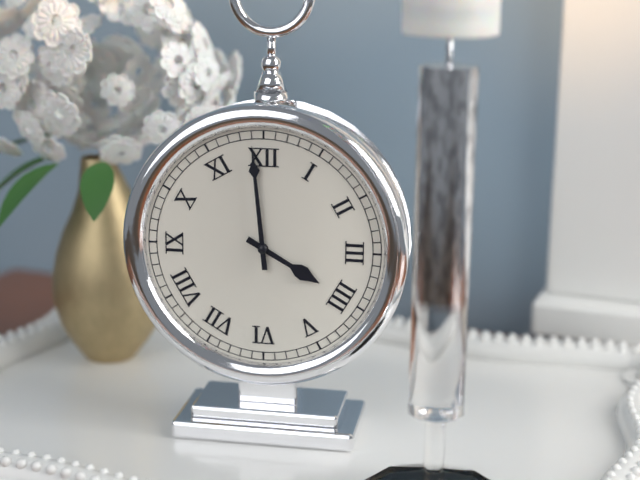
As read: 3h59
